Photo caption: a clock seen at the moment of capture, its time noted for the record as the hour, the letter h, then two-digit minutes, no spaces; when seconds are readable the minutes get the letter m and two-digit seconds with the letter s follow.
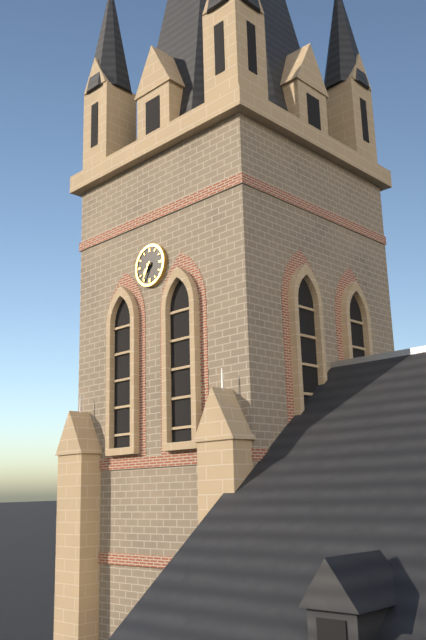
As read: 7h35
